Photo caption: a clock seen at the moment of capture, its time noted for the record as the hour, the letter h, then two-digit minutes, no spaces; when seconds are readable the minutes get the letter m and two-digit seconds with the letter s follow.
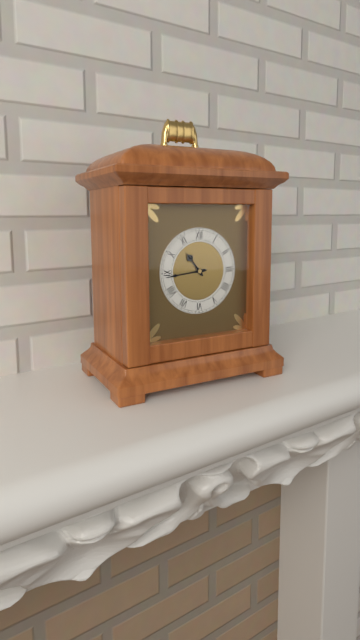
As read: 10h44
